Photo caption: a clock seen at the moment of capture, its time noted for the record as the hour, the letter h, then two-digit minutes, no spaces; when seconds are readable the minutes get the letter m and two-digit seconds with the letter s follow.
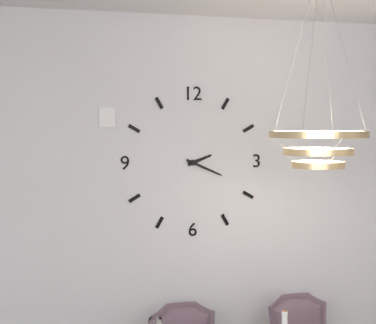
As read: 2h19
